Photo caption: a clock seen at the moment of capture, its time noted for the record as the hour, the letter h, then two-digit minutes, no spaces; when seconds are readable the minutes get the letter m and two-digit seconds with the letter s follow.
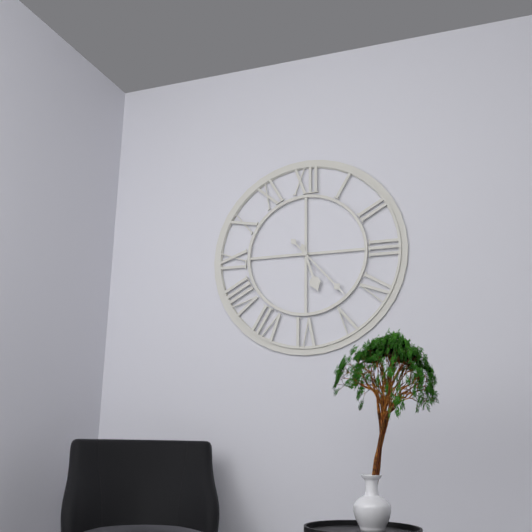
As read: 5h23
